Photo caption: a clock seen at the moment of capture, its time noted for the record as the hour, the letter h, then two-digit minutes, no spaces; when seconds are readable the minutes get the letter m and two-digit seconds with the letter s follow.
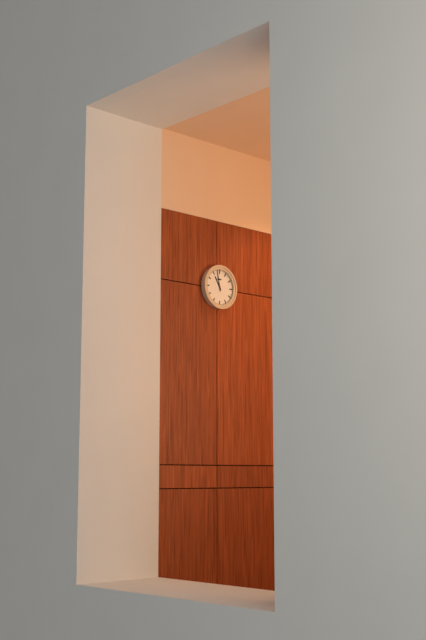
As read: 10h58
